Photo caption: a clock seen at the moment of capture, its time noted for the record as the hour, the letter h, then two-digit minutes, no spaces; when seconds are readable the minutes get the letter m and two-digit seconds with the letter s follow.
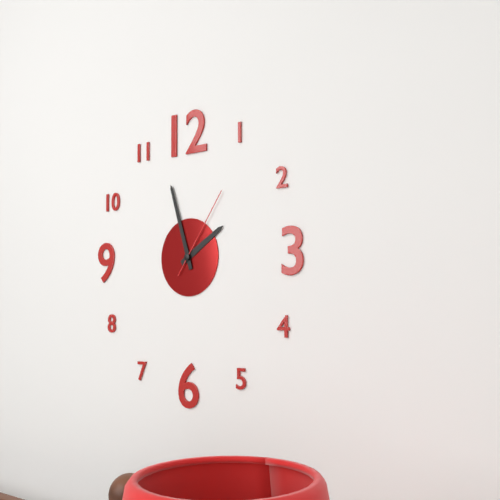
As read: 1h57m06s
